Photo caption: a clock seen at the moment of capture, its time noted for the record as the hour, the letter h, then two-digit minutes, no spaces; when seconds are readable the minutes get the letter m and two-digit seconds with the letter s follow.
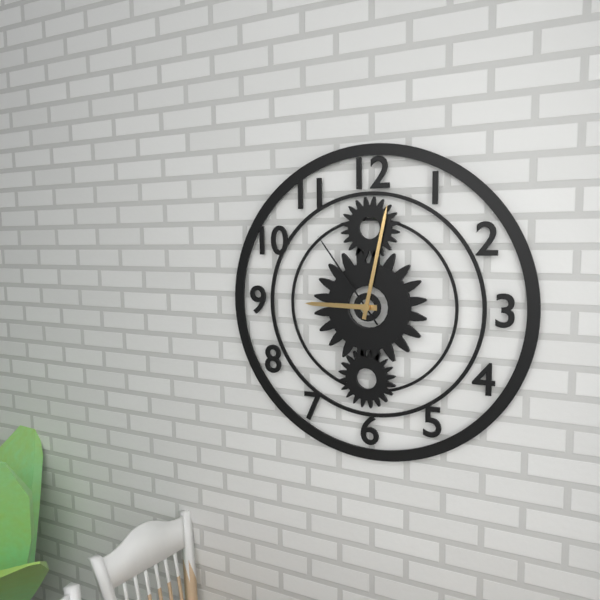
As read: 9h02m54s
